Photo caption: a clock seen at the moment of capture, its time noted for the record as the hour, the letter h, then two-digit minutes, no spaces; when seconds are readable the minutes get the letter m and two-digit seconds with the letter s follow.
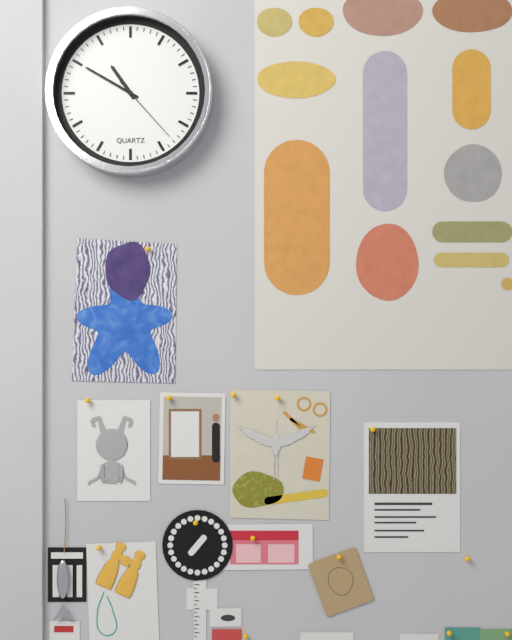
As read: 10h50m23s
